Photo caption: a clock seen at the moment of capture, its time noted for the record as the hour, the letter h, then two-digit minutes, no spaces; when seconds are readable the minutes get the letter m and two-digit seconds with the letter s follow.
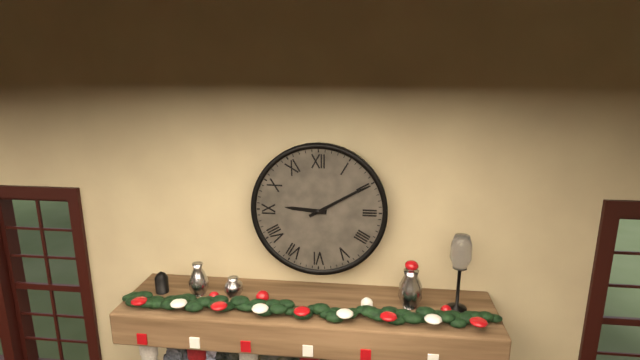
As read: 9h10
